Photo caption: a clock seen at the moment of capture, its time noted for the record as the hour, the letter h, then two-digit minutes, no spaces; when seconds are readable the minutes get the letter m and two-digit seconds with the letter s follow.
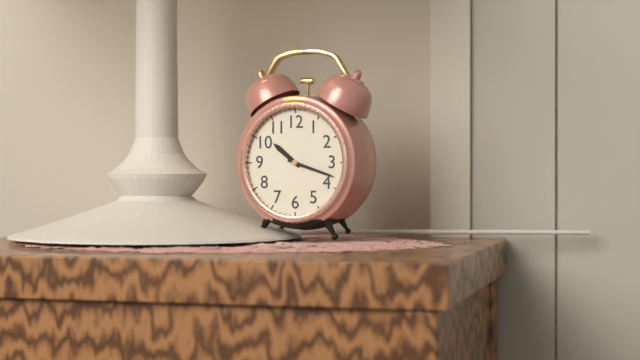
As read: 10h18
